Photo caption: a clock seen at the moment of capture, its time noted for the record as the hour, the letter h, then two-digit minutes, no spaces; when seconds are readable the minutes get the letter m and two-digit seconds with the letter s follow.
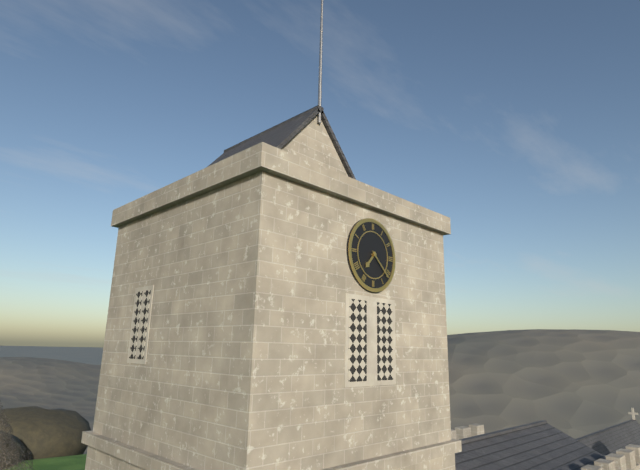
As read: 7h22
